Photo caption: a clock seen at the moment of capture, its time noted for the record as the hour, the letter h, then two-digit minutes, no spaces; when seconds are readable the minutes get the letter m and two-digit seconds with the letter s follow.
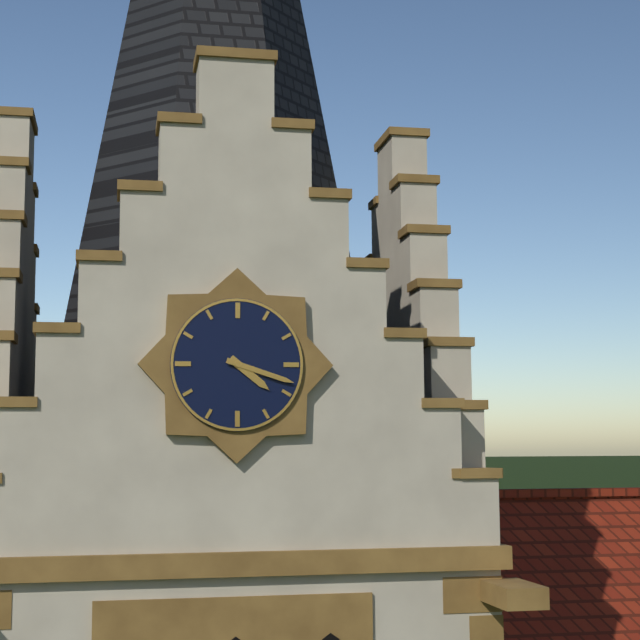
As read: 4h18
